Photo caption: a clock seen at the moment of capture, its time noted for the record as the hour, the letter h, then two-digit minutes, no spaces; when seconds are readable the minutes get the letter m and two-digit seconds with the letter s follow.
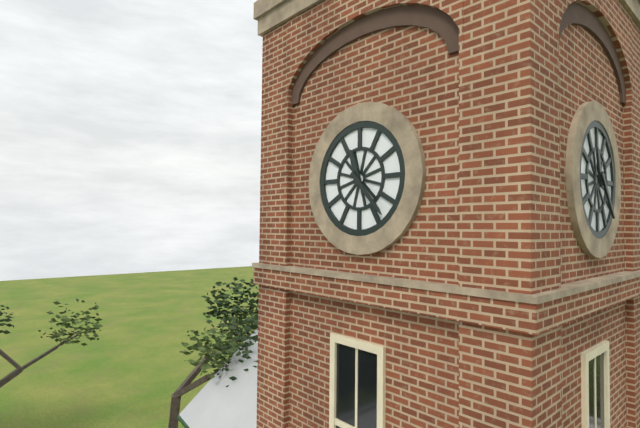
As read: 11h23
